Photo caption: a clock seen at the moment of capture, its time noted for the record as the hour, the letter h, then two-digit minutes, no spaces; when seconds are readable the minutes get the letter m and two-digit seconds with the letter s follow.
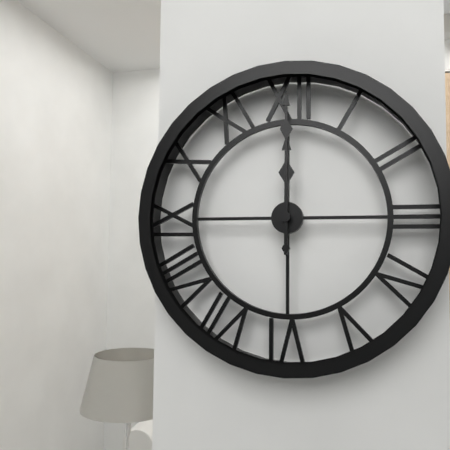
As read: 12h00
